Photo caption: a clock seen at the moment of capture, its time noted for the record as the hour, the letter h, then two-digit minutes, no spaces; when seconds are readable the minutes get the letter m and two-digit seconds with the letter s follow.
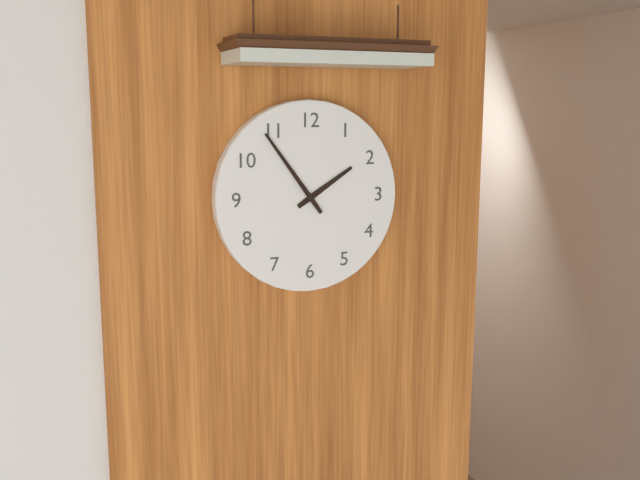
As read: 1h54
